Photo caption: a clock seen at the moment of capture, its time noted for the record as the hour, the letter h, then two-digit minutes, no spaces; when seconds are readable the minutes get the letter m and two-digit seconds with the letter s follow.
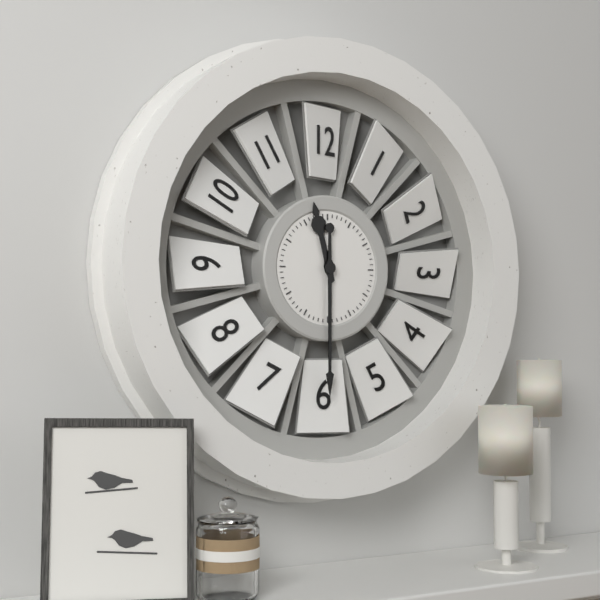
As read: 11h30
